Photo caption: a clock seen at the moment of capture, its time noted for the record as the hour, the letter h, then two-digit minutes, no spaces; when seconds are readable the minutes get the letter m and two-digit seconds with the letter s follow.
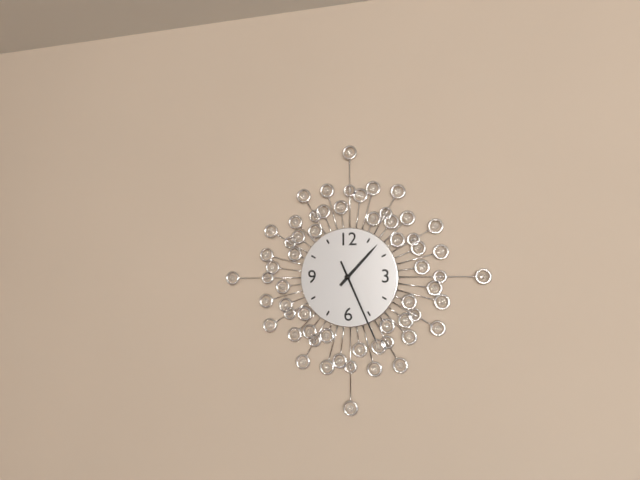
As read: 1h26
